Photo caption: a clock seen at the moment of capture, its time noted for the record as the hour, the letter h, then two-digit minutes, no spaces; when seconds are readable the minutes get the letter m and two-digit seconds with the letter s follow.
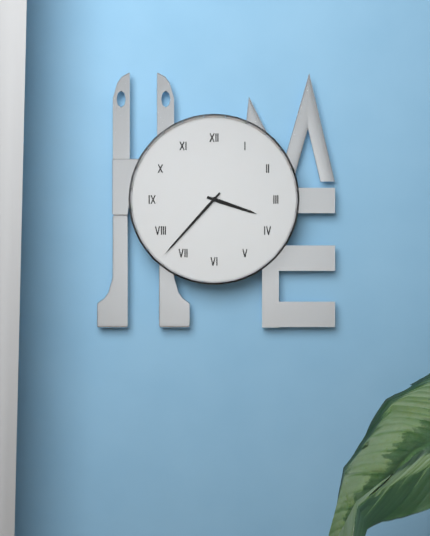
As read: 3h37
